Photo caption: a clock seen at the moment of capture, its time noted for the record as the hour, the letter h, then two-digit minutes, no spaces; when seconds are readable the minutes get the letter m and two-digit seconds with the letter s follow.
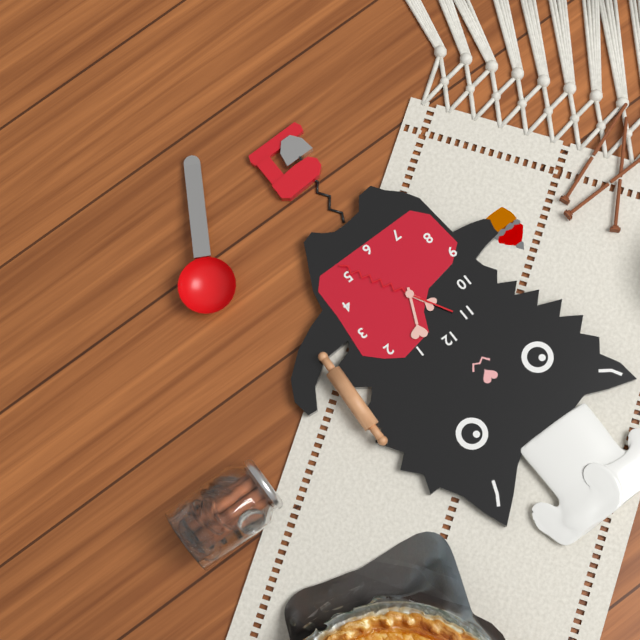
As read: 11h04m25s
